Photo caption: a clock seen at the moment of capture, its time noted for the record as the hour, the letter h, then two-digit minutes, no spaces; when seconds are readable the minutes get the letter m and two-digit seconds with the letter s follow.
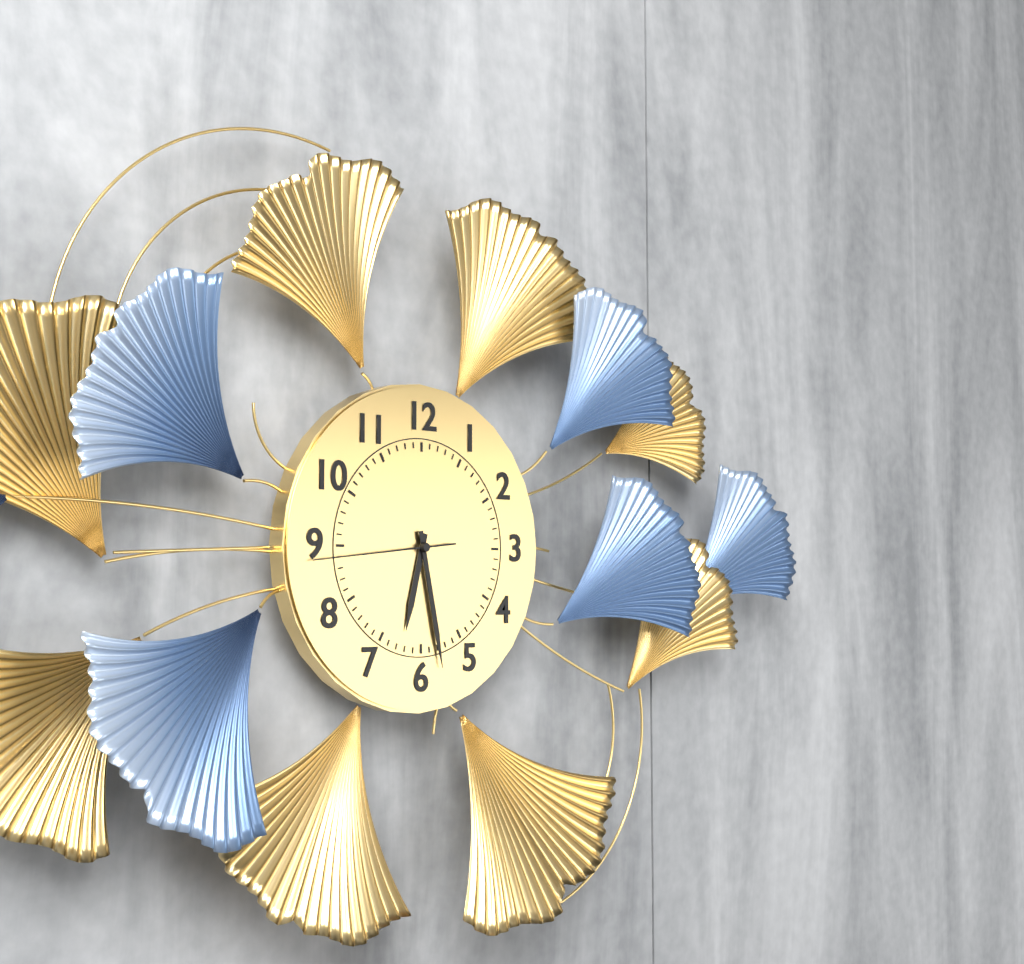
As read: 6h28m44s
